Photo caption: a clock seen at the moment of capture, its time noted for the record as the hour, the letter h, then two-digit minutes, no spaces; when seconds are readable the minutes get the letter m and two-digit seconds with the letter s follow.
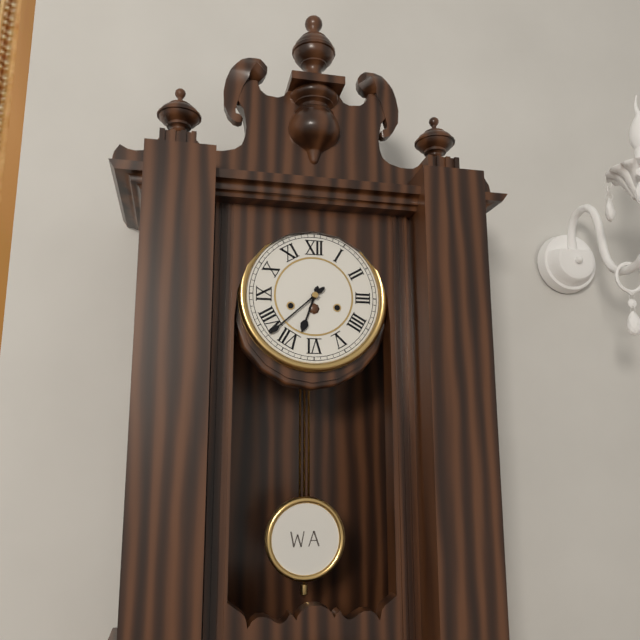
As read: 6h38
